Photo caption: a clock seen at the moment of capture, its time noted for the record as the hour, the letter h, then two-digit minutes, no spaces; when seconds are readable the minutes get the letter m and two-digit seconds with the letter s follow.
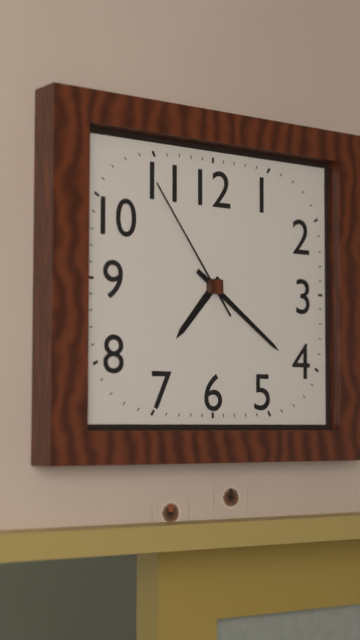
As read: 7h21m54s
